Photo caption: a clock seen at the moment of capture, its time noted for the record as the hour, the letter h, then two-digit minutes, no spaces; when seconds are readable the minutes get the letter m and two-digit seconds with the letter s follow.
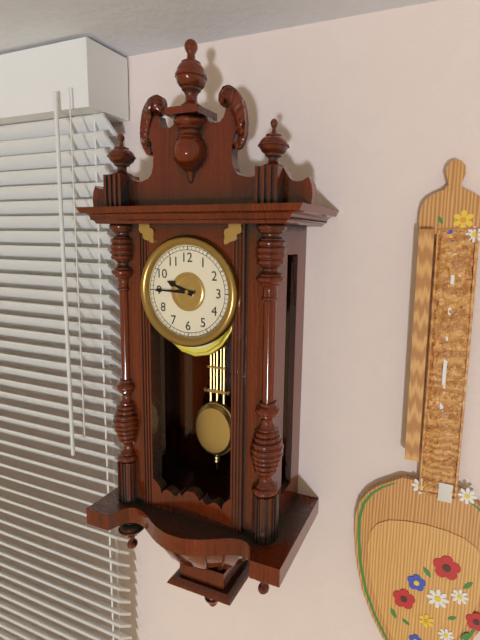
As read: 9h45
